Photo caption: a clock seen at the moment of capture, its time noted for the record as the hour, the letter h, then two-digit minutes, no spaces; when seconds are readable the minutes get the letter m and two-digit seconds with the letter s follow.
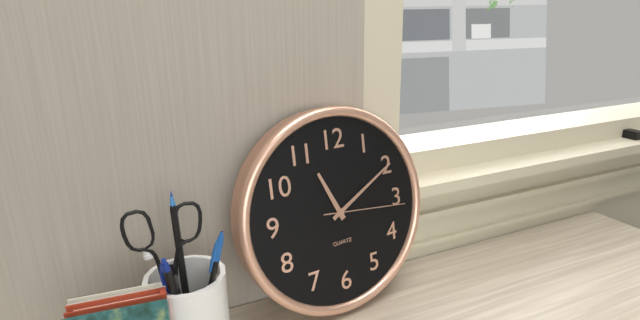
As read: 11h10m16s
